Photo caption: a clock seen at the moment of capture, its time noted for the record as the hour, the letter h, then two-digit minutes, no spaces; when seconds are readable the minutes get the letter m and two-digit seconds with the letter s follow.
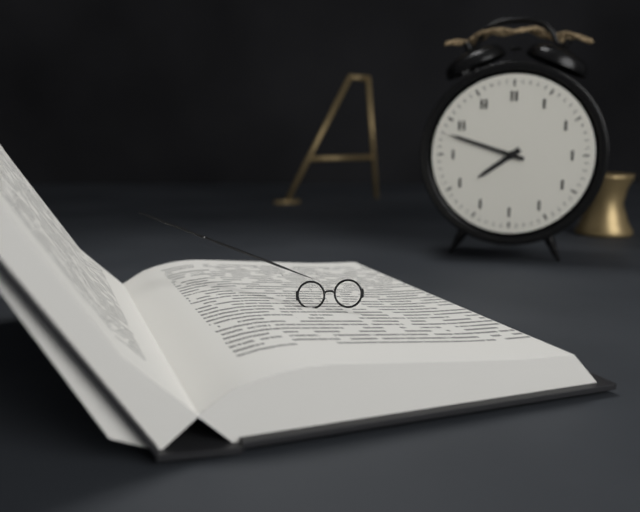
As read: 7h48
